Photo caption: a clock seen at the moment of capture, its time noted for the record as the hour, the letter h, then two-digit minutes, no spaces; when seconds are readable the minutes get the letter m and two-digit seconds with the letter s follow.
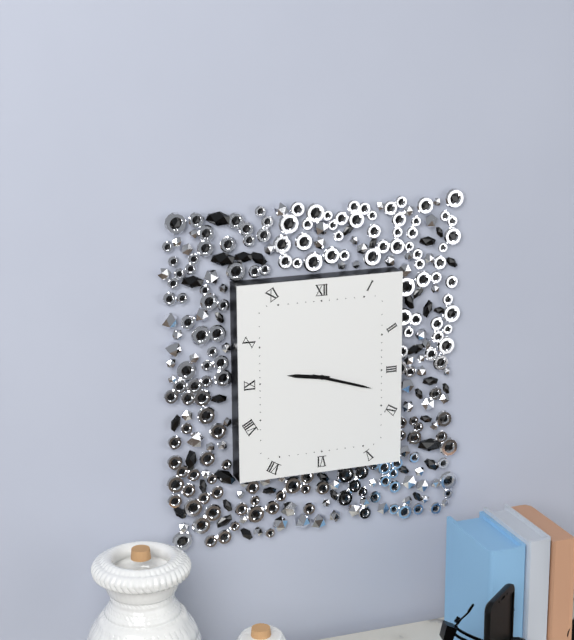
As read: 9h18
